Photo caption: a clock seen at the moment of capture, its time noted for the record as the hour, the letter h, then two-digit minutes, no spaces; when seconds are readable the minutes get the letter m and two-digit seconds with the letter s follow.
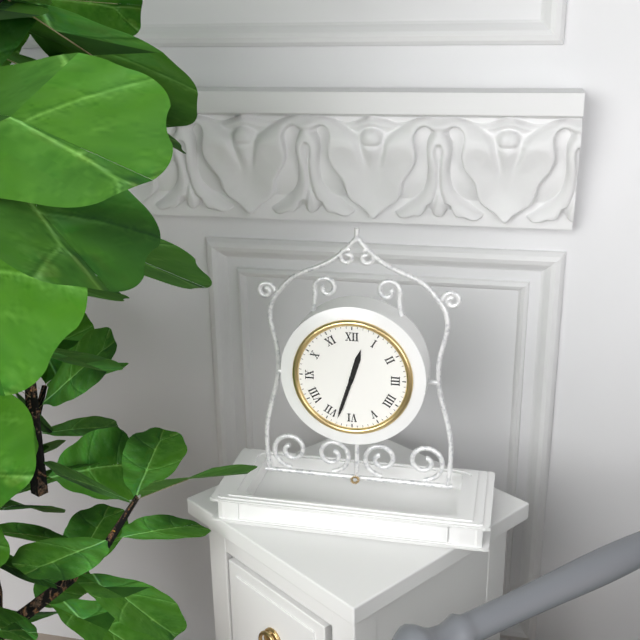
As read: 12h33
